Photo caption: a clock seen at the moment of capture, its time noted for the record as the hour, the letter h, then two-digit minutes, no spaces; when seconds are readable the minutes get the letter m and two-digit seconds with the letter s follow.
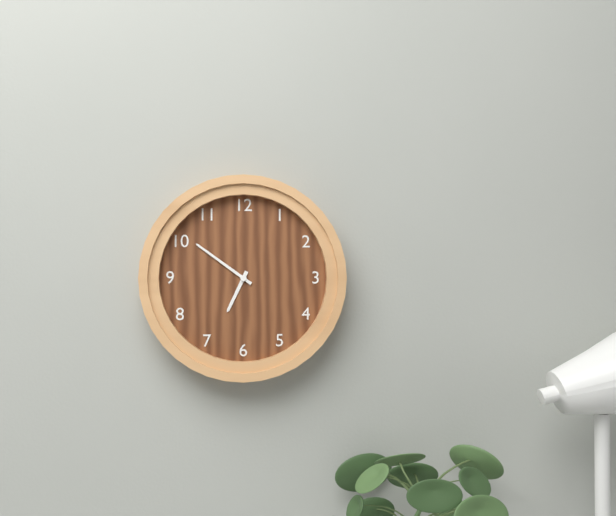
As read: 6h51
